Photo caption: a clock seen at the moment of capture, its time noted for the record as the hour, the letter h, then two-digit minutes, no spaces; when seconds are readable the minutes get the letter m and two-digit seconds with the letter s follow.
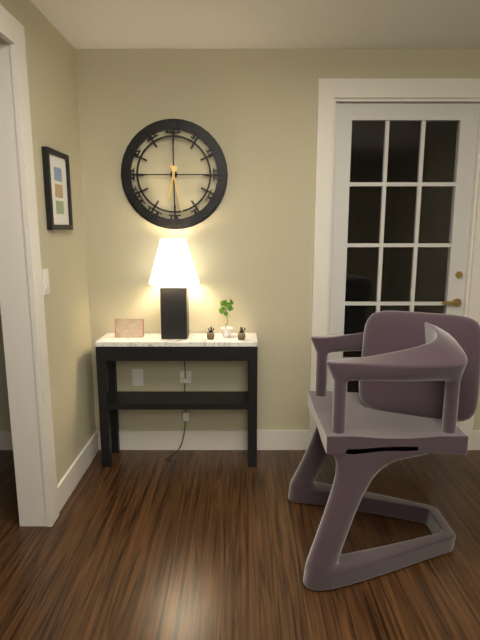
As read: 6h28
